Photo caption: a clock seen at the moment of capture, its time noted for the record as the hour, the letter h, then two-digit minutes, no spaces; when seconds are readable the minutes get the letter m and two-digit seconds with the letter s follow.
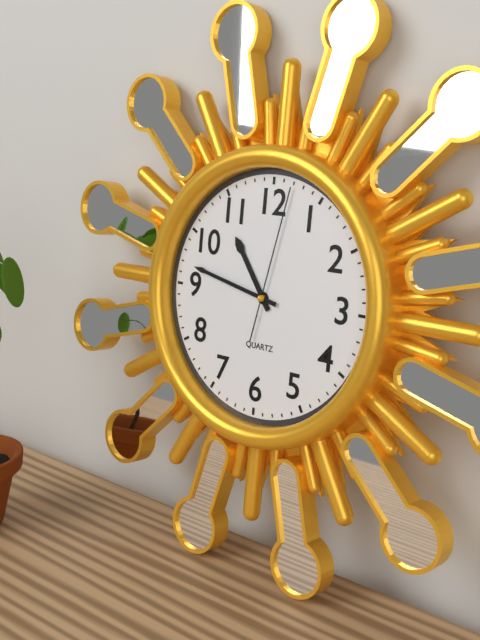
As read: 10h47m02s
